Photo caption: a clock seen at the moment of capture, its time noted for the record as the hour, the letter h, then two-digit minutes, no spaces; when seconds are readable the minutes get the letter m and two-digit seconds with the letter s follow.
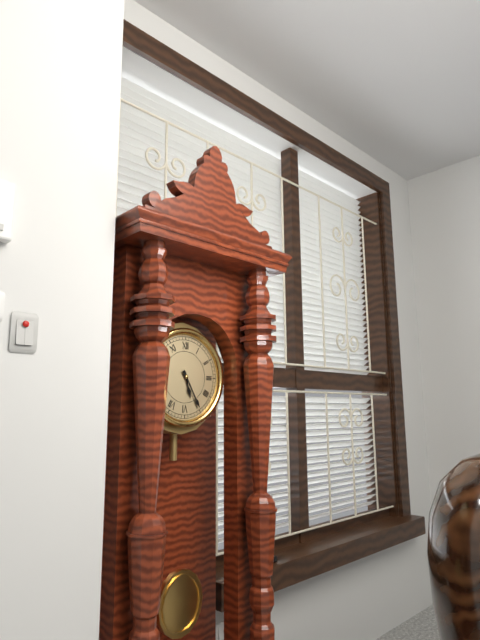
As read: 5h25
